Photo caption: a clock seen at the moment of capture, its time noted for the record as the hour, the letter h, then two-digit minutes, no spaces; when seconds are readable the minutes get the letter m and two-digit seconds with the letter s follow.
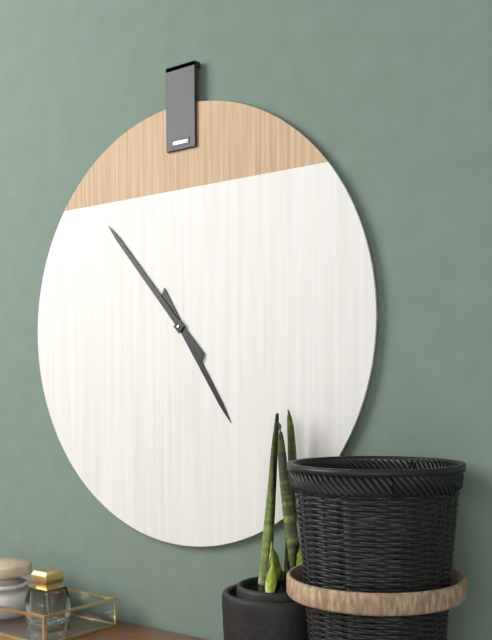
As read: 4h53
